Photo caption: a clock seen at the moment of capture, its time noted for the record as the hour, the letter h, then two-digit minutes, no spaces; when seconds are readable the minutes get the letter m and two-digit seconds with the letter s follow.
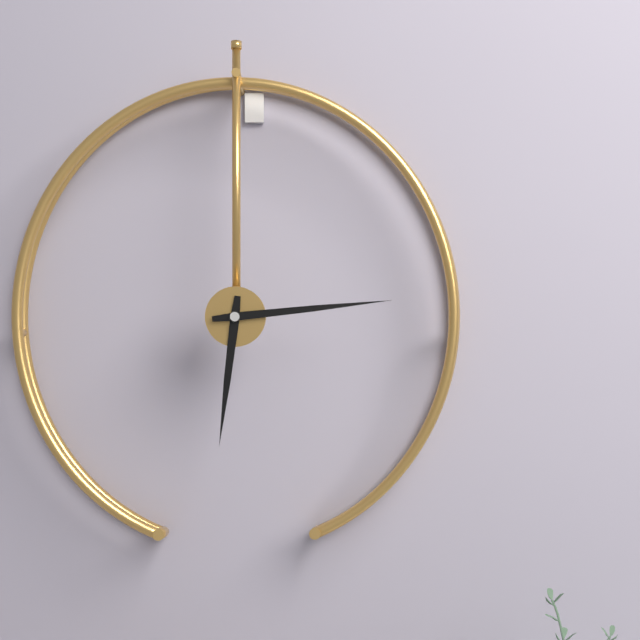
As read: 6h14
